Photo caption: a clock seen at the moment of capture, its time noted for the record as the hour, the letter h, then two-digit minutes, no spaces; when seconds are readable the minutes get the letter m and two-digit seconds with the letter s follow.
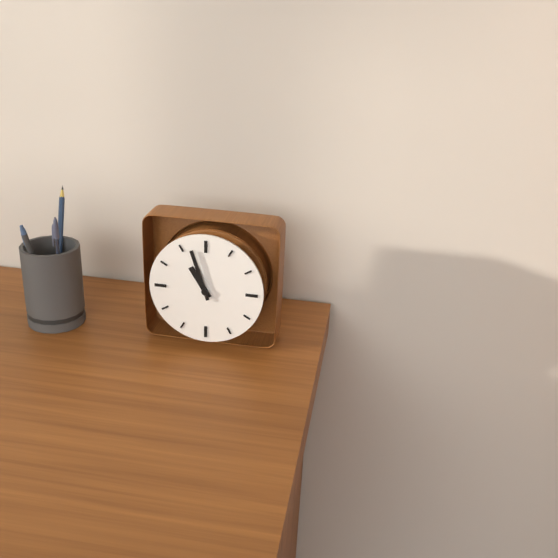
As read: 10h57
